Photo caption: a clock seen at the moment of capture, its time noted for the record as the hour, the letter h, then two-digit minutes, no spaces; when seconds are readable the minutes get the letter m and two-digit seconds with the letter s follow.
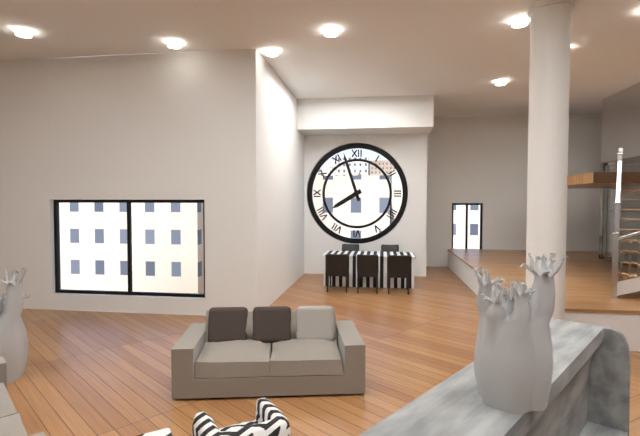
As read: 7h57
